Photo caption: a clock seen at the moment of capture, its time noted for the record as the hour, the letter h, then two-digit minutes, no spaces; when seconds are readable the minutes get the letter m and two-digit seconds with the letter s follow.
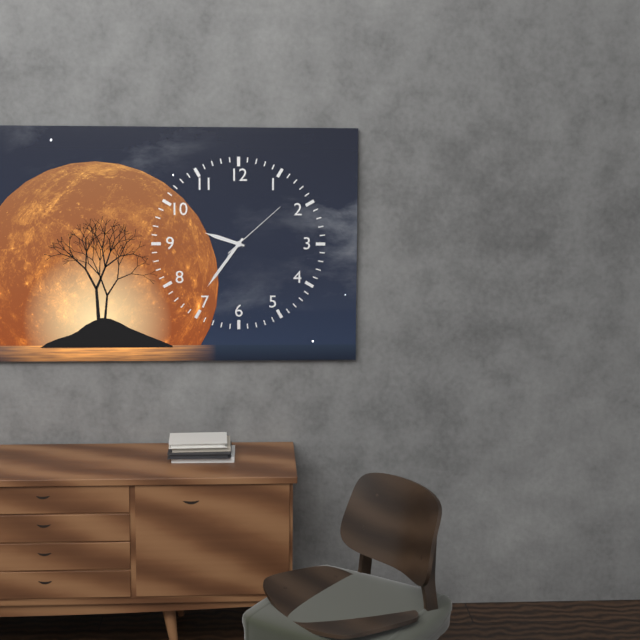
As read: 9h36m08s
